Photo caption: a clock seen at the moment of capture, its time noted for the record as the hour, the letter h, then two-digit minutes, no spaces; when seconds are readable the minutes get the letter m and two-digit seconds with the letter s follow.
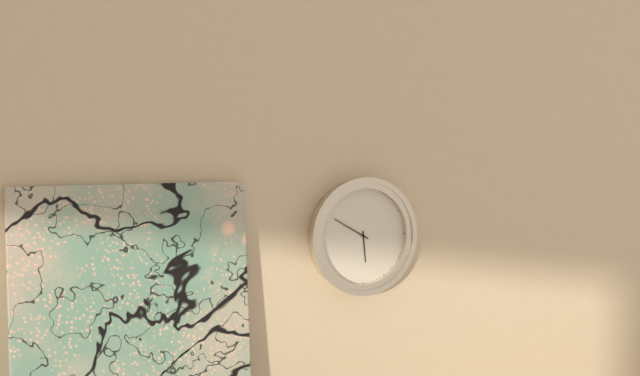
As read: 5h50
